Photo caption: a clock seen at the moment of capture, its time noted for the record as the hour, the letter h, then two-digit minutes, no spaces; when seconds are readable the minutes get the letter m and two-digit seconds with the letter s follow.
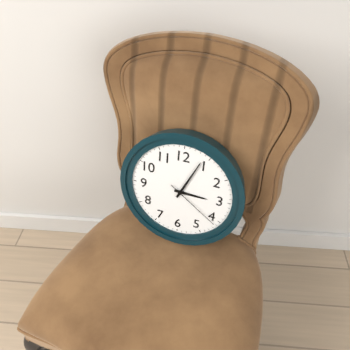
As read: 3h04m21s
